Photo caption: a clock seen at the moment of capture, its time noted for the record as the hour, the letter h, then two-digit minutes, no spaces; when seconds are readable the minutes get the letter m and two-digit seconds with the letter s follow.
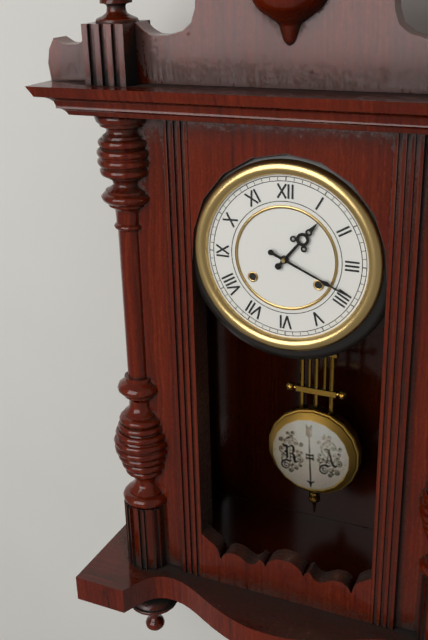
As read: 1h19
